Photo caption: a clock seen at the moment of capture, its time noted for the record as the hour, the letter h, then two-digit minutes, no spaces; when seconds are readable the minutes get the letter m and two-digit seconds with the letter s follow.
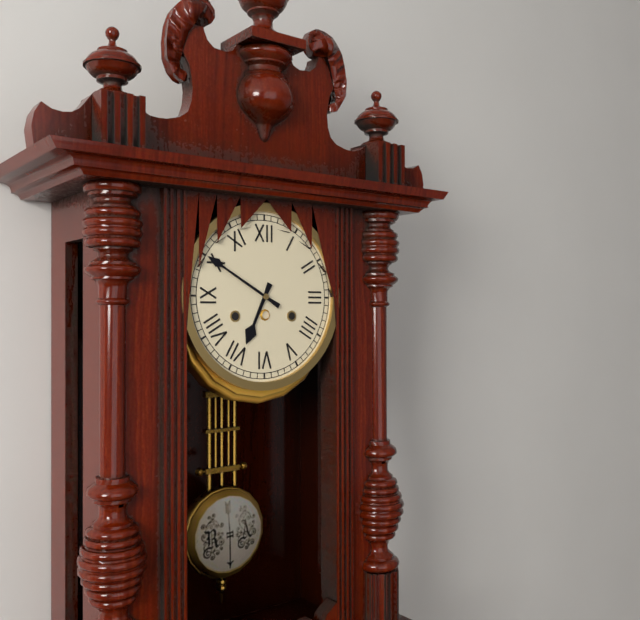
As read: 6h50
